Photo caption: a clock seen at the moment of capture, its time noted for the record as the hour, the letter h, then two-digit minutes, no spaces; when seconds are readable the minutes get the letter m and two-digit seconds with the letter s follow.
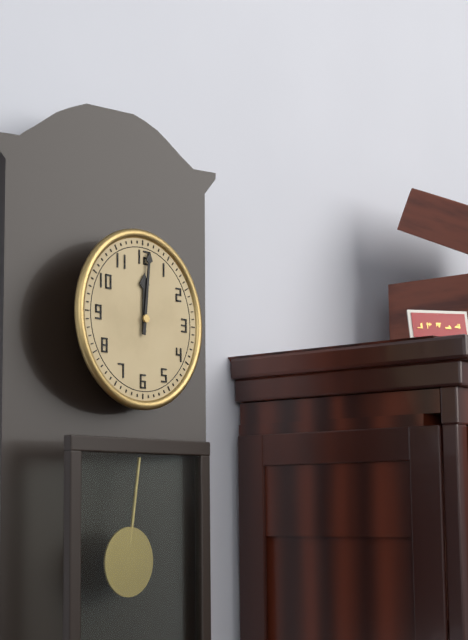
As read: 12h01
